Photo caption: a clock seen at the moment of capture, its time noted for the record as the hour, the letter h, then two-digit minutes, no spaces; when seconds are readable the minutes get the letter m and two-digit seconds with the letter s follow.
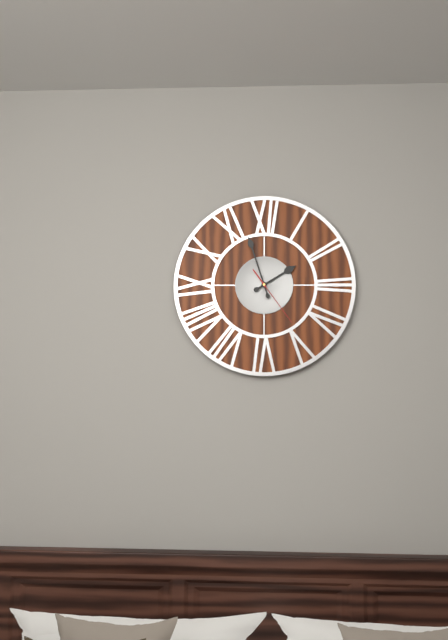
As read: 1h57m24s
